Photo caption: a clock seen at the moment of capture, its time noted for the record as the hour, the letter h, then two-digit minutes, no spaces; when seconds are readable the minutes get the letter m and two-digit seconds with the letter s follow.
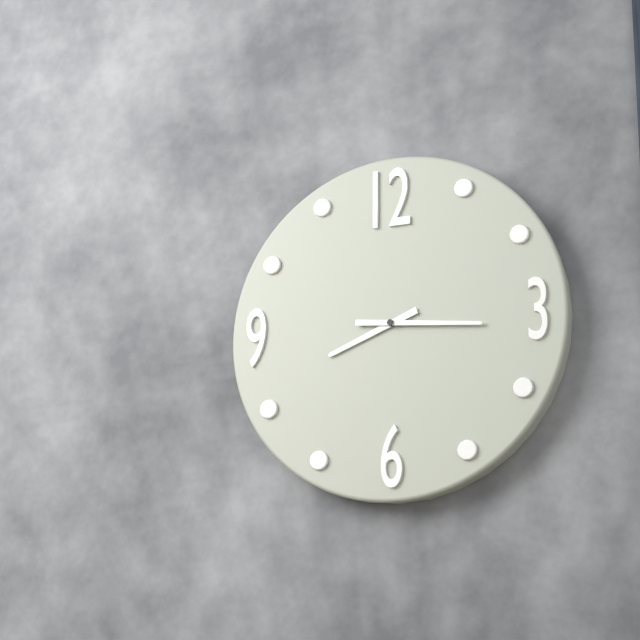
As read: 8h16
